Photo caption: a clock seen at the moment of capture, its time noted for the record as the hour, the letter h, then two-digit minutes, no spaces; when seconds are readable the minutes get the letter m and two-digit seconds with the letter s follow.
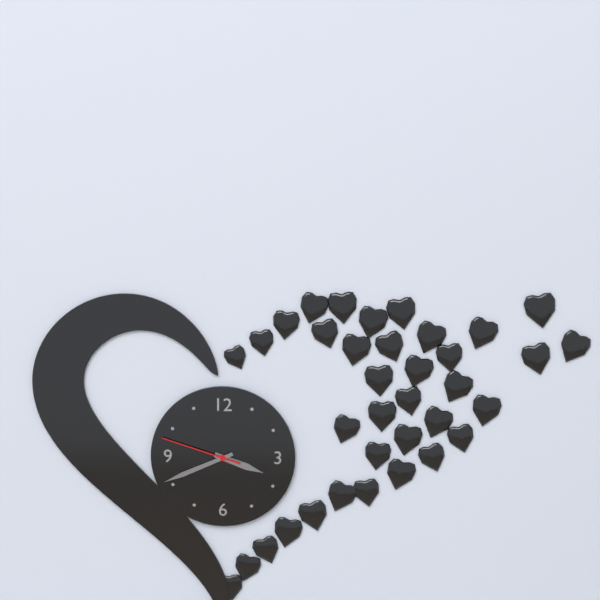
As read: 3h41m48s
